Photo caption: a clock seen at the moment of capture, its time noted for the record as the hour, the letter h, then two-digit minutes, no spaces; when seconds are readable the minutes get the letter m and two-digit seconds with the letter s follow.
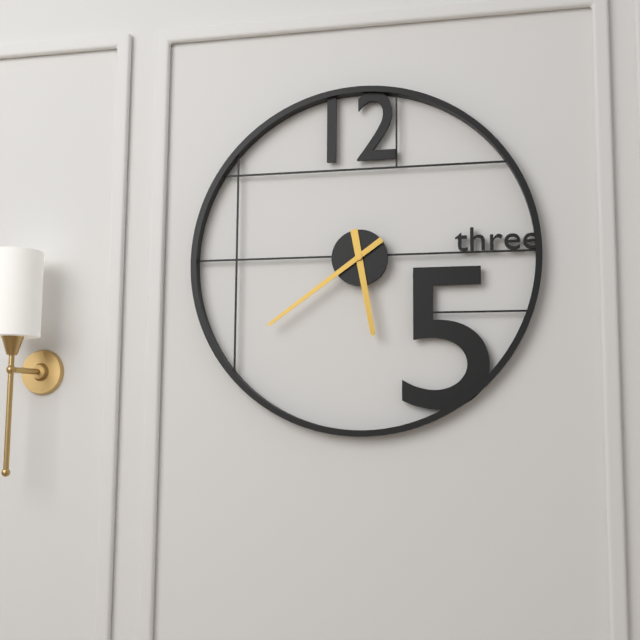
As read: 5h39
